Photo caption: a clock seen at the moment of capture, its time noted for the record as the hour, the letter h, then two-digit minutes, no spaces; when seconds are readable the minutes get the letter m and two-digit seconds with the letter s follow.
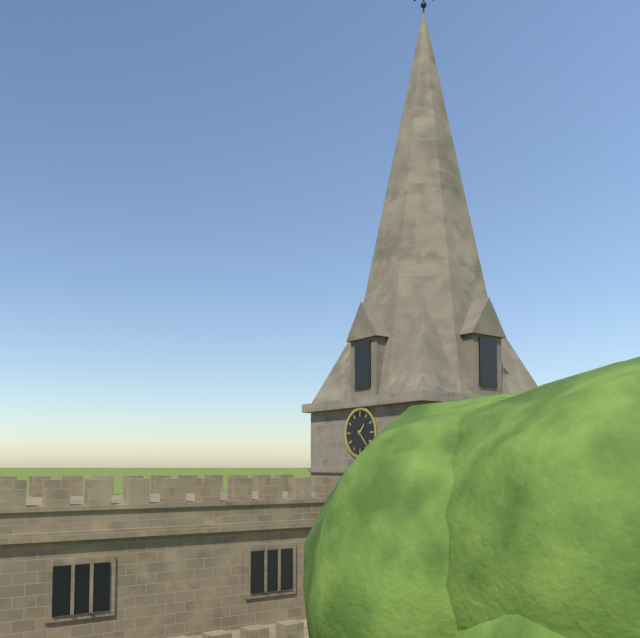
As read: 1h23
